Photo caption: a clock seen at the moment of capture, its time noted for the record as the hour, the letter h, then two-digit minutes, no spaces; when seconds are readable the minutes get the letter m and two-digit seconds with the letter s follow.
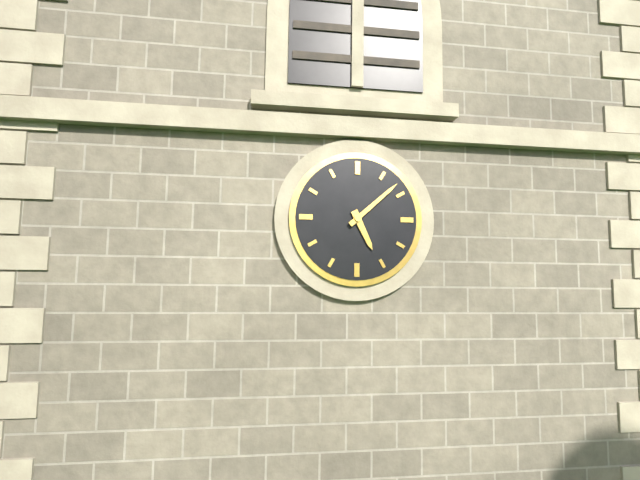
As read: 5h08
